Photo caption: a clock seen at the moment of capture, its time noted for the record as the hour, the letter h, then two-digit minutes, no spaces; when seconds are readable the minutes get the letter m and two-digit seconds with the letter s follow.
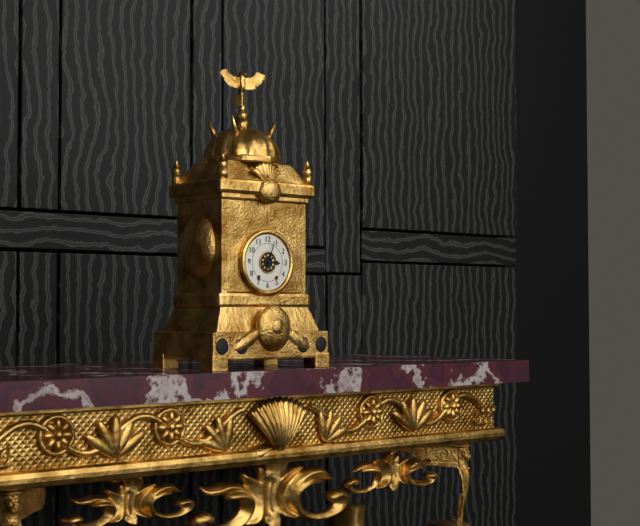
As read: 3h03
